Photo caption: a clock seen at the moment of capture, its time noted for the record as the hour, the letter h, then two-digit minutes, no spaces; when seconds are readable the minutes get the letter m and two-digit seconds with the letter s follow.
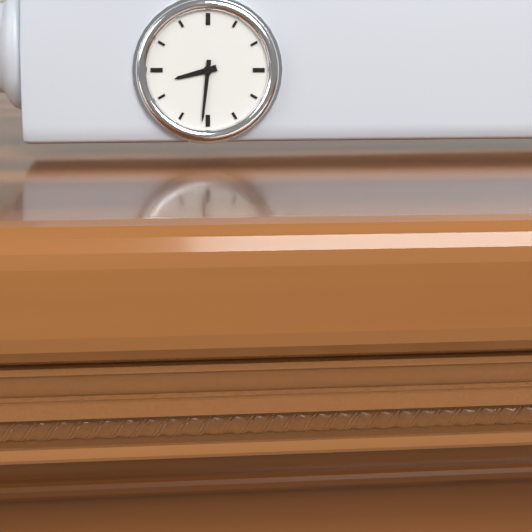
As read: 8h31
